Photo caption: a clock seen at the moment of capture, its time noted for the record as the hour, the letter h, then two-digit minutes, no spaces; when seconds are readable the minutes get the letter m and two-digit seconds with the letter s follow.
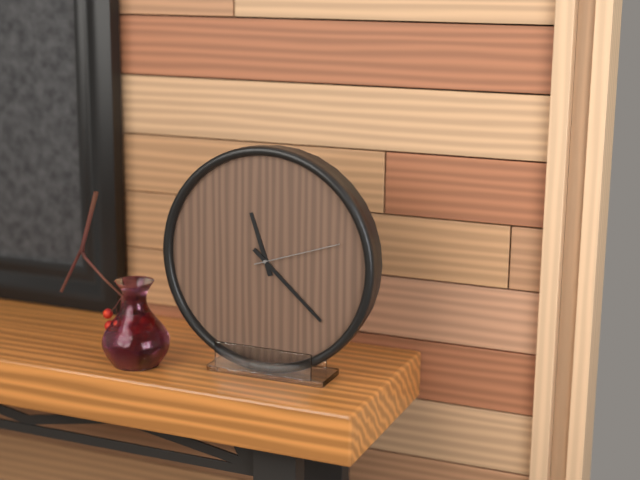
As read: 11h22m12s
